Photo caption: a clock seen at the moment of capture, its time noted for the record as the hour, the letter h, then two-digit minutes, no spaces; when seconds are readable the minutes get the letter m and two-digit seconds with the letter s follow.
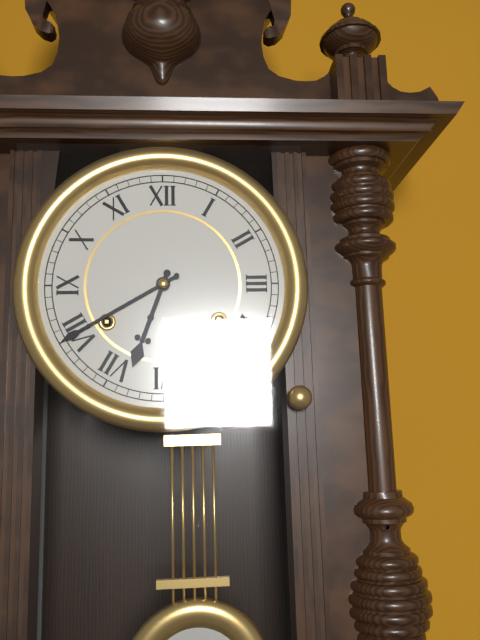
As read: 6h40
